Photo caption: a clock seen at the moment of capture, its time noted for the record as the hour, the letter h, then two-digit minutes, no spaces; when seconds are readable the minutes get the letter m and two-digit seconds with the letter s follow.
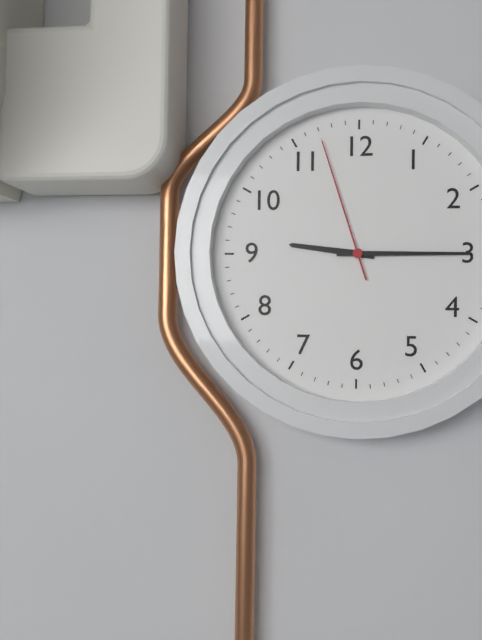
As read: 9h15m57s
